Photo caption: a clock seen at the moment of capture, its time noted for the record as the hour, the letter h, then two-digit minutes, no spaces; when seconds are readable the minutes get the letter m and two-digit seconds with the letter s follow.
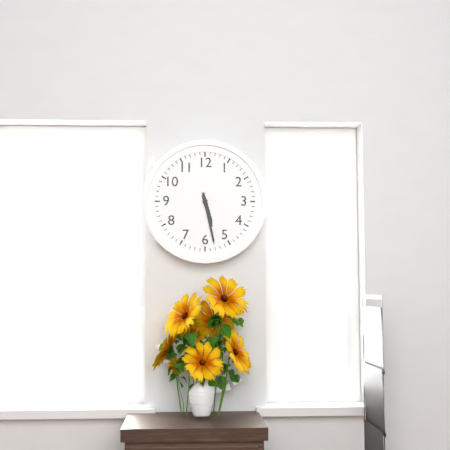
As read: 5h28
